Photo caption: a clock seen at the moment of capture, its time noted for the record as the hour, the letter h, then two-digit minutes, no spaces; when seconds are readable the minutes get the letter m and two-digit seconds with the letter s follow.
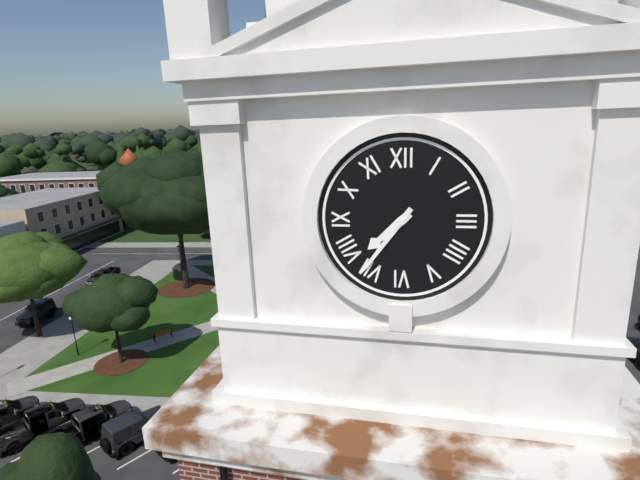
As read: 7h36
